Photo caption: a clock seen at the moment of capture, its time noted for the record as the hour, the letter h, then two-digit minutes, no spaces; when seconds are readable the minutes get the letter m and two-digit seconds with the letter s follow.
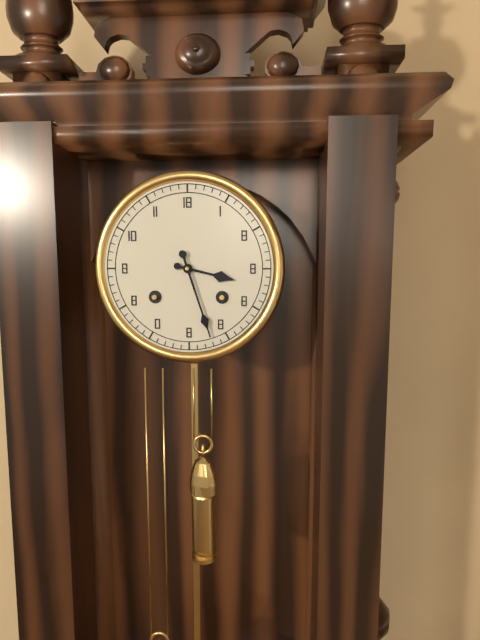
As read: 3h27
